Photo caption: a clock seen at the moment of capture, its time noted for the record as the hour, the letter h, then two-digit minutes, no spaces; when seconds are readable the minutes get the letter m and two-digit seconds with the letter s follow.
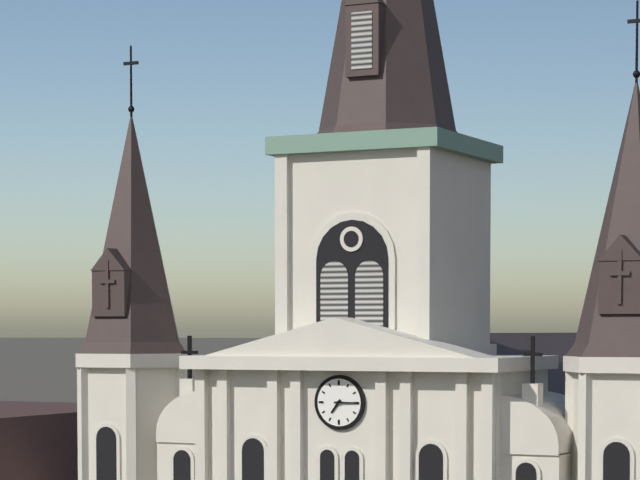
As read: 7h15
